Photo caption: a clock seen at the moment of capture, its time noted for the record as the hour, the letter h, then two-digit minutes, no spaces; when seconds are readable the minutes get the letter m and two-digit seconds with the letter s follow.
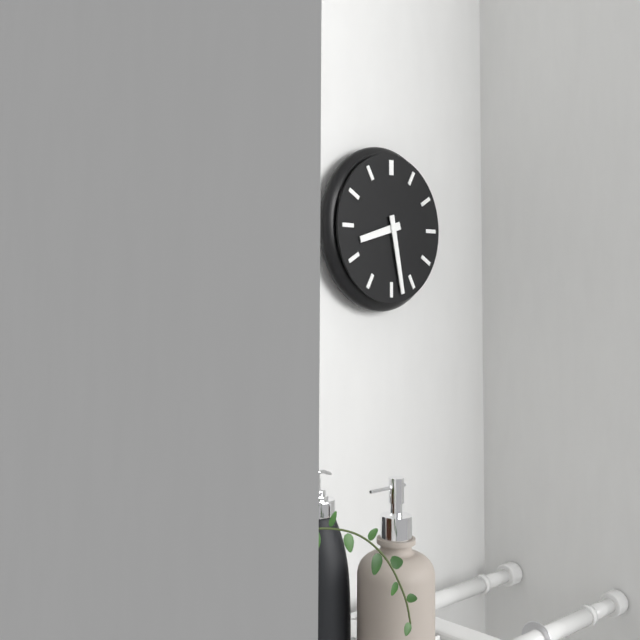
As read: 8h28
